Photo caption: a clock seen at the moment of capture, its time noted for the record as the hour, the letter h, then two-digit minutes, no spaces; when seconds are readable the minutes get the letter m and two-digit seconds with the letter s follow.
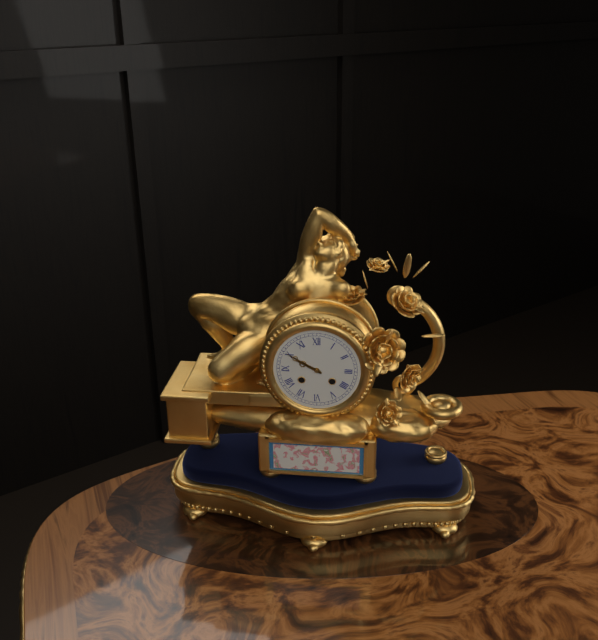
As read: 9h50
